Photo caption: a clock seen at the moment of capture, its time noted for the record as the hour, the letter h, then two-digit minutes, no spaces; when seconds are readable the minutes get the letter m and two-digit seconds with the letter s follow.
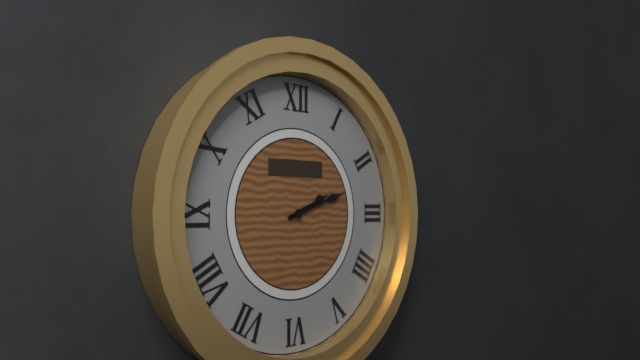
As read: 2h12
